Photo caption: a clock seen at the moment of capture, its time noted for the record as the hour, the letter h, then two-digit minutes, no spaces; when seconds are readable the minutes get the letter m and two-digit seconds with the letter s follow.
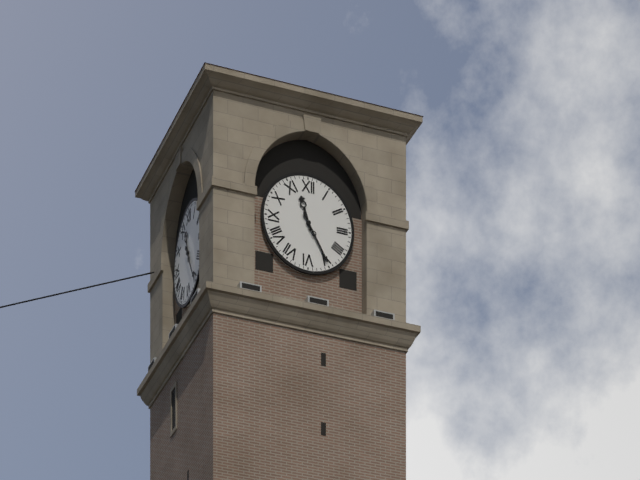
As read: 11h25
